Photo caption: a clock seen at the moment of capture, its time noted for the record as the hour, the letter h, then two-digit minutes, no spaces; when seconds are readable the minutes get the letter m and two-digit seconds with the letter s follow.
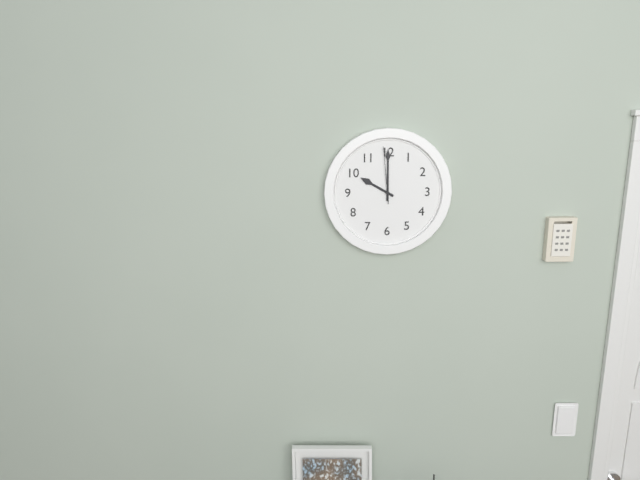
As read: 10h00m59s
